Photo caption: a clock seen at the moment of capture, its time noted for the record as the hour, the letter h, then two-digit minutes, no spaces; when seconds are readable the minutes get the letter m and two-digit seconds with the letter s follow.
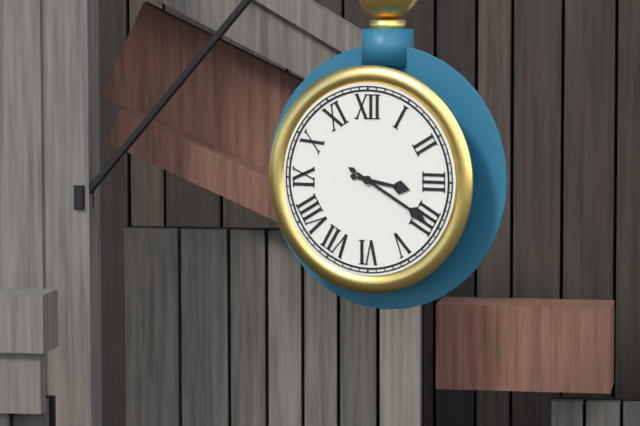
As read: 3h20
